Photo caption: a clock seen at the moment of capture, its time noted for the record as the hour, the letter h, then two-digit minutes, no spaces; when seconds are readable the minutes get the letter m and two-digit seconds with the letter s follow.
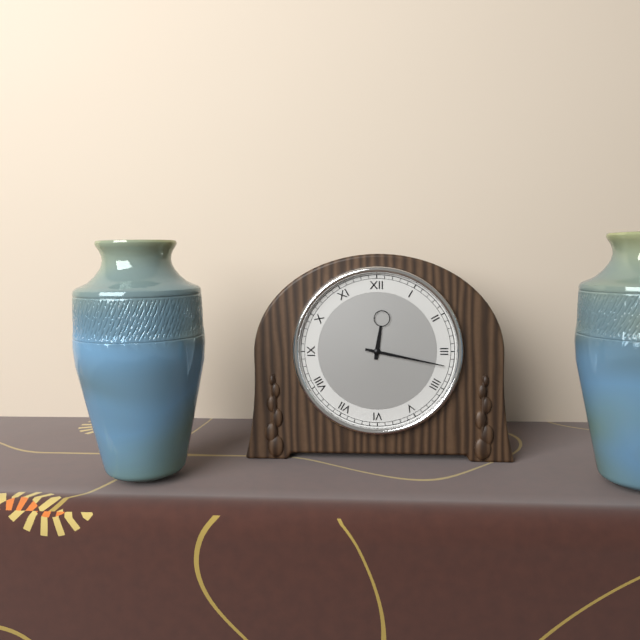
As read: 12h17
